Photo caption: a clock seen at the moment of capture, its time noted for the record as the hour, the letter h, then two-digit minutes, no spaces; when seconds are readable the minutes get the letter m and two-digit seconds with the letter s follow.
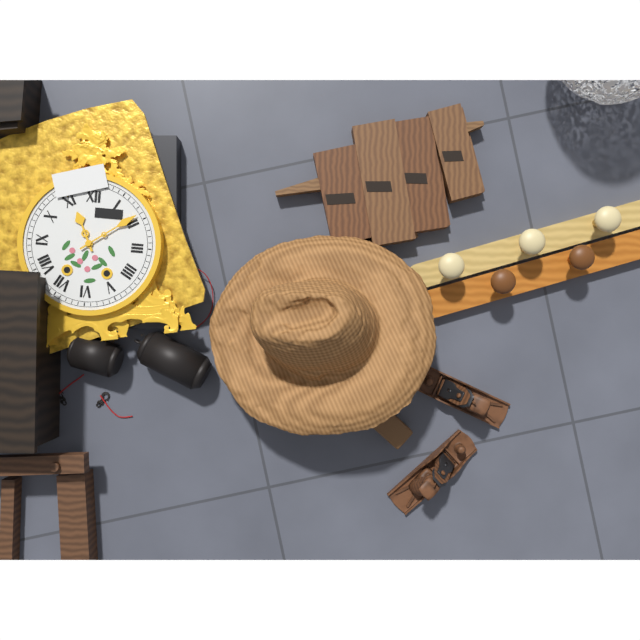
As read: 11h09
